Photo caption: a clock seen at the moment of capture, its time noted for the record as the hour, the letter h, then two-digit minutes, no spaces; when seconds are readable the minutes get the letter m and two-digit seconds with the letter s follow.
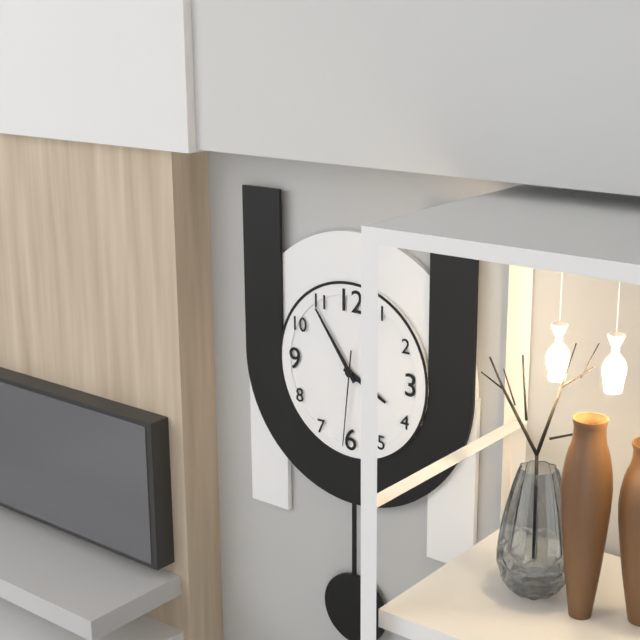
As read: 3h54m31s
